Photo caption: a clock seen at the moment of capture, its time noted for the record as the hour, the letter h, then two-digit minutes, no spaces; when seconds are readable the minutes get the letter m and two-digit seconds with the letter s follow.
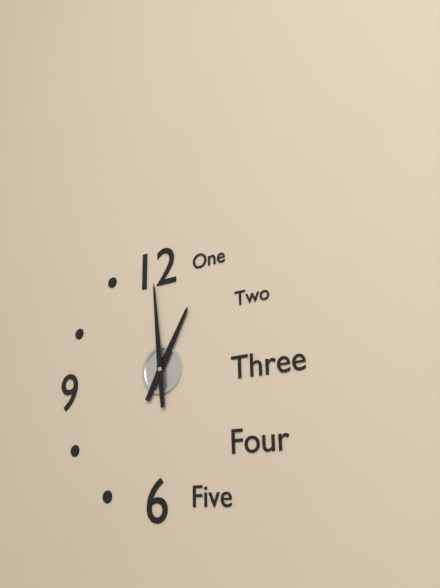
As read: 12h59
